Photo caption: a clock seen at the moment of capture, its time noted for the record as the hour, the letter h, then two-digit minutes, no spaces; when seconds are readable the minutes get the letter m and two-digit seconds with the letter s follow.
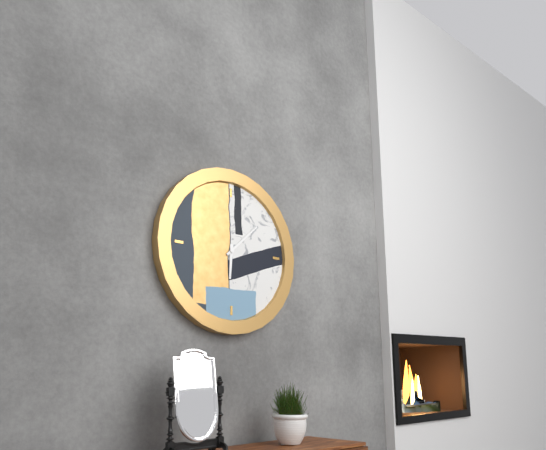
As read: 6h08
